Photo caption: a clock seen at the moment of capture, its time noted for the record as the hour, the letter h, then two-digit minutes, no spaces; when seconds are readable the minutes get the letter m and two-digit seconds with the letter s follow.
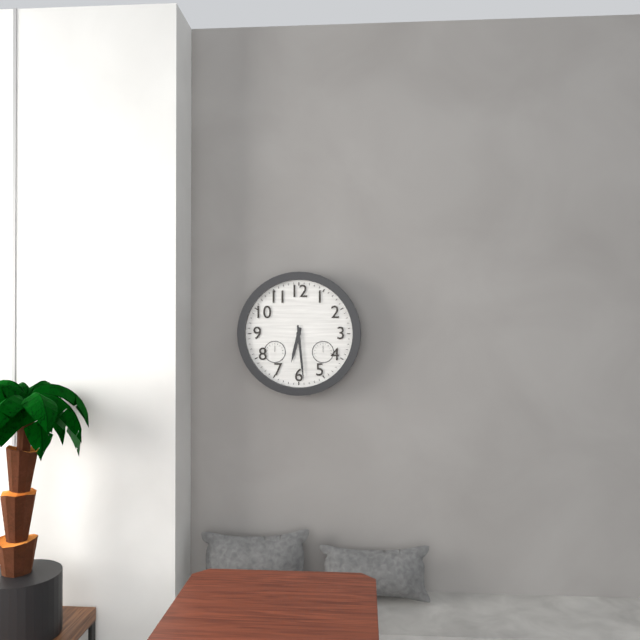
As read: 6h29
